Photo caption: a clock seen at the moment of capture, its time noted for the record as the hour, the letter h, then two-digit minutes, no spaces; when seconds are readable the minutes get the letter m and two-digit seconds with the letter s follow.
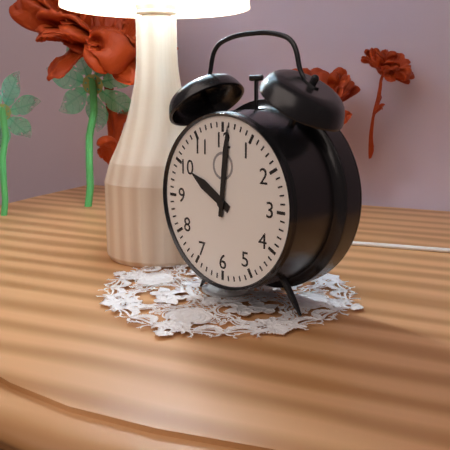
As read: 10h01
